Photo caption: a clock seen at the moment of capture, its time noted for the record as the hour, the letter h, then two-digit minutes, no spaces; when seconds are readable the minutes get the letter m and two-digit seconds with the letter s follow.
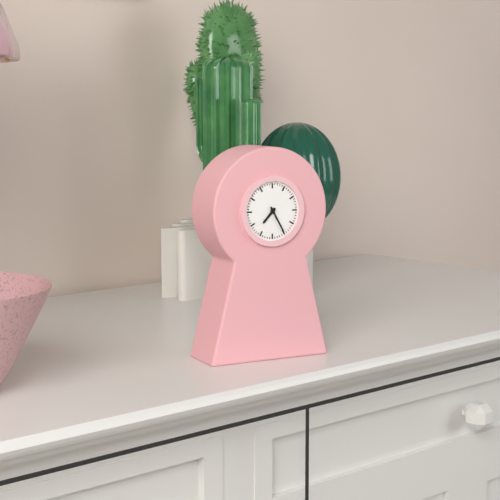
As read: 7h25
